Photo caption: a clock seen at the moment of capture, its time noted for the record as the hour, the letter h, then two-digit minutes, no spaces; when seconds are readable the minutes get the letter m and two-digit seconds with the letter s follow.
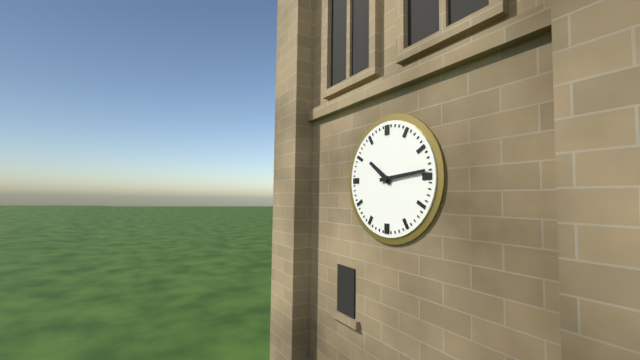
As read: 10h14
